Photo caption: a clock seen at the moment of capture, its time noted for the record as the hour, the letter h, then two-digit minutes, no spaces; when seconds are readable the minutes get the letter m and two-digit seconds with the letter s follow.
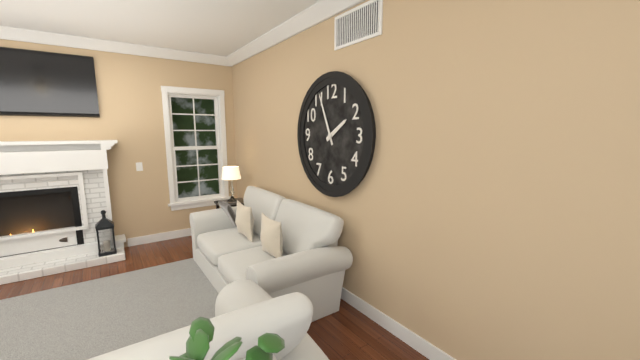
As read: 1h56
